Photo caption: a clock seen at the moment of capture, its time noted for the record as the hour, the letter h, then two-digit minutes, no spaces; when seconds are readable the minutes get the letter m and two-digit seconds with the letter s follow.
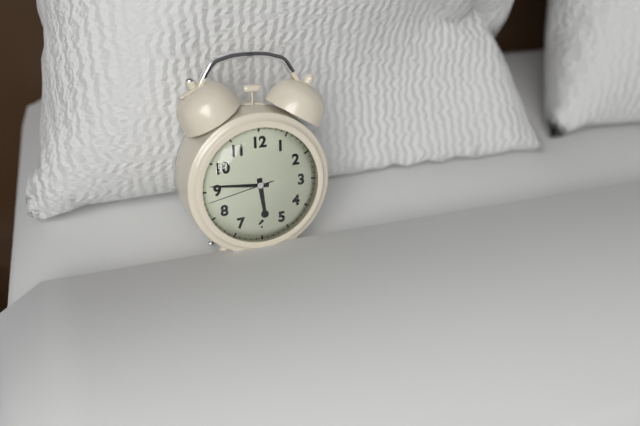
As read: 5h46m43s
